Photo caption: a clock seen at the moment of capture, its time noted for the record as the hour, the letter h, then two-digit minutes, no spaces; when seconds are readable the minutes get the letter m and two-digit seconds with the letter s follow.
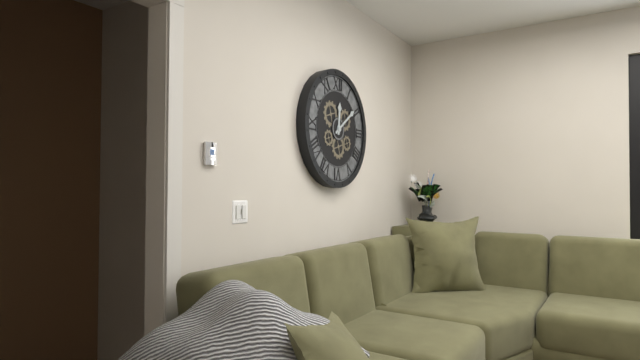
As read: 12h09
